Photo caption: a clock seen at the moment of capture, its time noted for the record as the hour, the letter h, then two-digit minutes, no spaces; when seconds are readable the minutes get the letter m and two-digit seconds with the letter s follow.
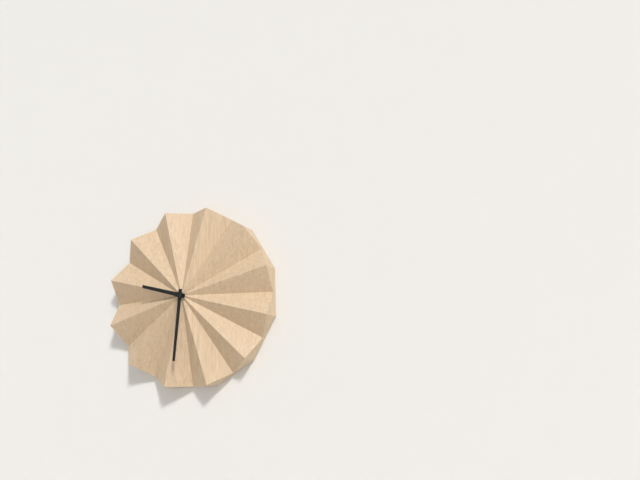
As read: 9h31
